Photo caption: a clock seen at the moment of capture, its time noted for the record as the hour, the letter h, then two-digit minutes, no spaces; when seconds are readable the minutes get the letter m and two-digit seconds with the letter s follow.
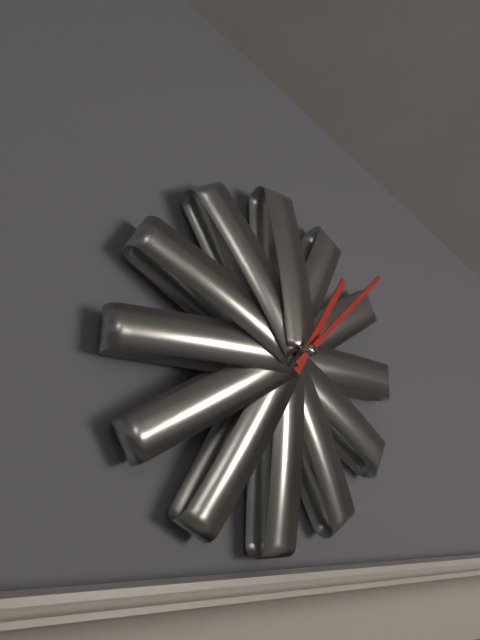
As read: 1h08
